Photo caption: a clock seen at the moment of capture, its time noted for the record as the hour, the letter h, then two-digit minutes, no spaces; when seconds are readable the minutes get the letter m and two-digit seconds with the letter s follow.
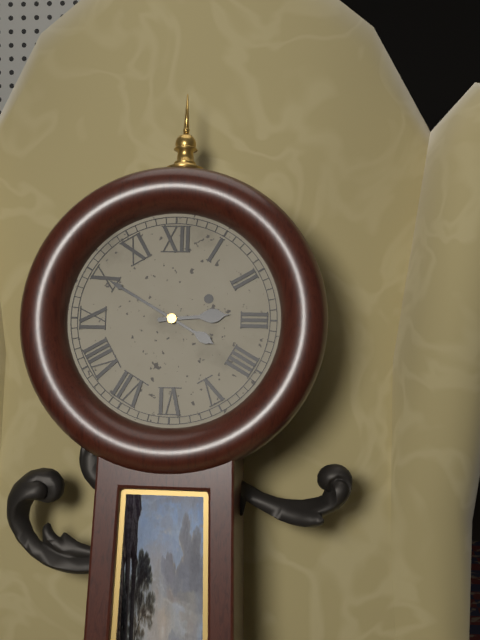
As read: 2h50
